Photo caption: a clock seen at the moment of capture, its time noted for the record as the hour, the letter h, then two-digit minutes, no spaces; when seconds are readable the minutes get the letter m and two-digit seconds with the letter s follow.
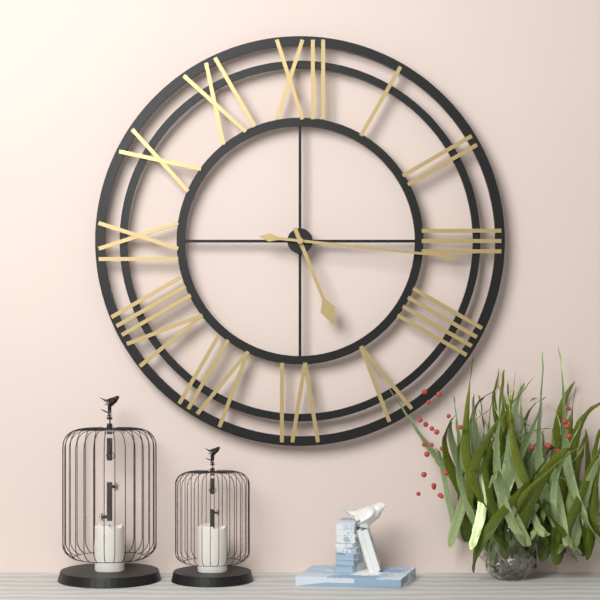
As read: 5h16
